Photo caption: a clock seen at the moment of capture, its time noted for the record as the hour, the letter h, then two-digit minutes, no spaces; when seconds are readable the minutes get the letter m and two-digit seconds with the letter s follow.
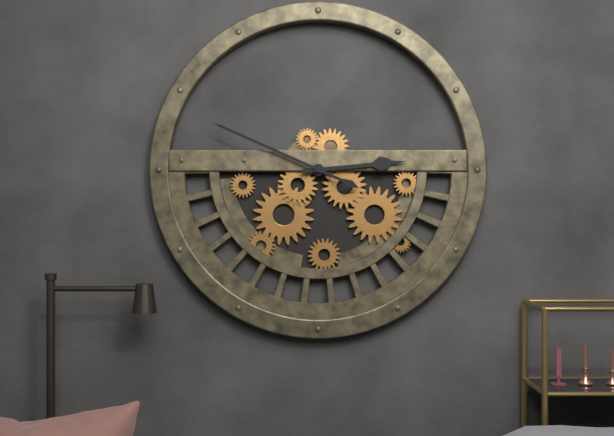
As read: 2h49
